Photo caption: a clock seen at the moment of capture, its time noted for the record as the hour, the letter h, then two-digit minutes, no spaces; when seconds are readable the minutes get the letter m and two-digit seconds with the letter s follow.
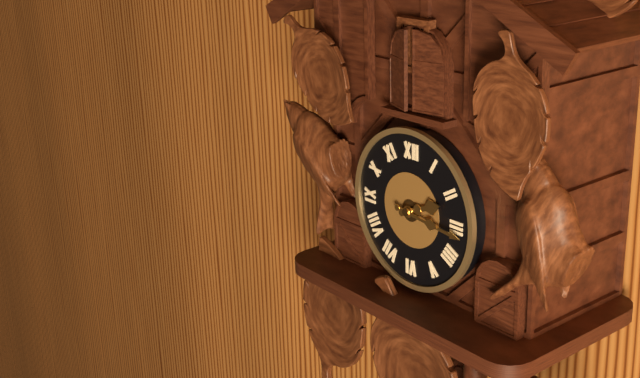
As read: 2h16
